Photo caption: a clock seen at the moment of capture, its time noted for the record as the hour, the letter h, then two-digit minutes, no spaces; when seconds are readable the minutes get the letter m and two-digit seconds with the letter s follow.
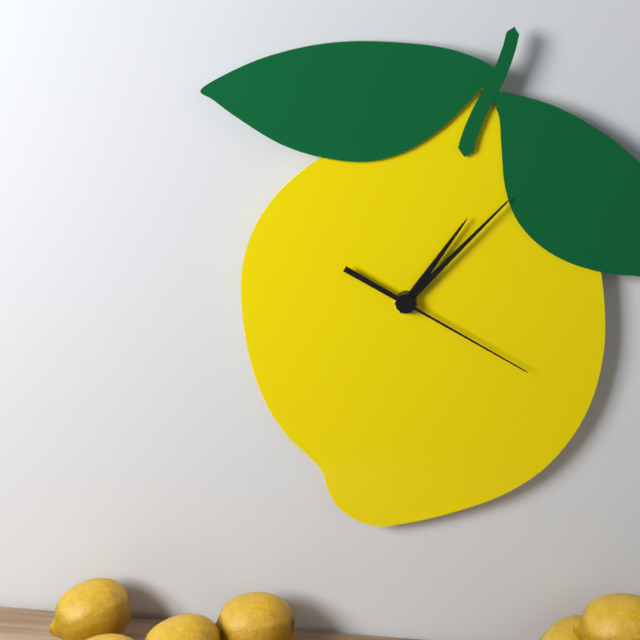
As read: 1h07m20s
